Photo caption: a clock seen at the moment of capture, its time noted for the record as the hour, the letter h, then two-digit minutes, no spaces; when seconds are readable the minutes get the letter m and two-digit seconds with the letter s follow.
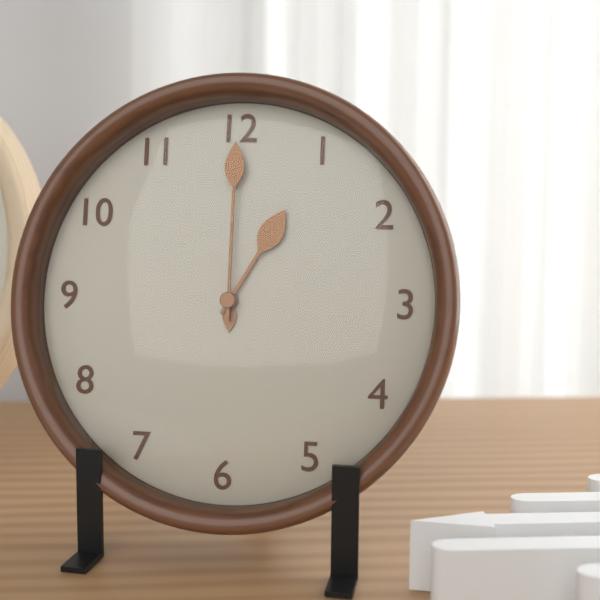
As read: 1h00
